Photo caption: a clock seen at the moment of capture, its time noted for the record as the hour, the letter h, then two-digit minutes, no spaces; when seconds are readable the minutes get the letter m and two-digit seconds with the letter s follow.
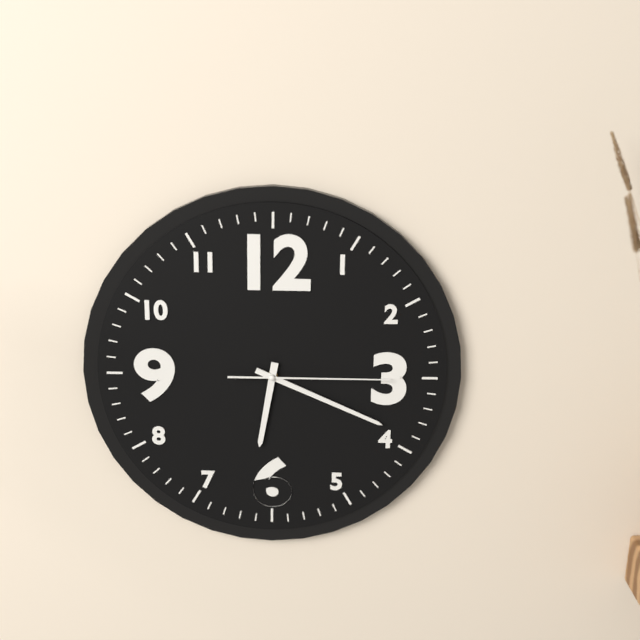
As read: 6h19m15s
